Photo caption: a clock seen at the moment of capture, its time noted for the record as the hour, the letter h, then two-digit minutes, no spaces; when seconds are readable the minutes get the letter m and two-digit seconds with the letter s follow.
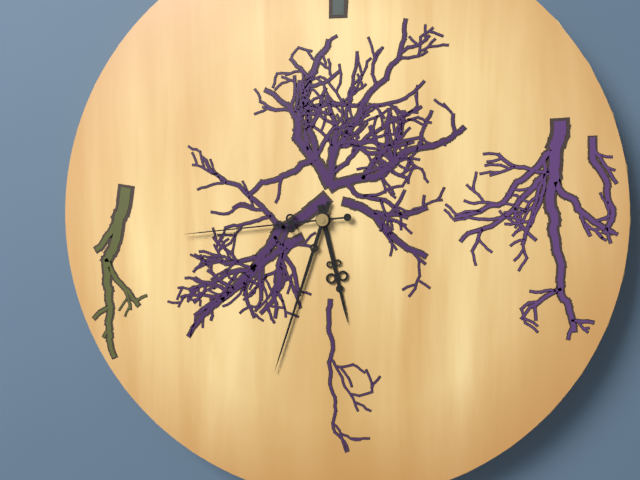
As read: 5h33m44s
